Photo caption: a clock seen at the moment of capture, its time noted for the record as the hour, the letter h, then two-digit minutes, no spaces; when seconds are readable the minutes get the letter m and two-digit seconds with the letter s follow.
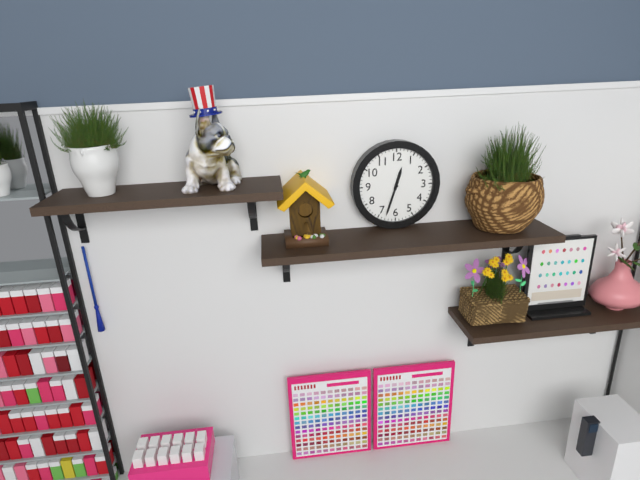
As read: 12h33
